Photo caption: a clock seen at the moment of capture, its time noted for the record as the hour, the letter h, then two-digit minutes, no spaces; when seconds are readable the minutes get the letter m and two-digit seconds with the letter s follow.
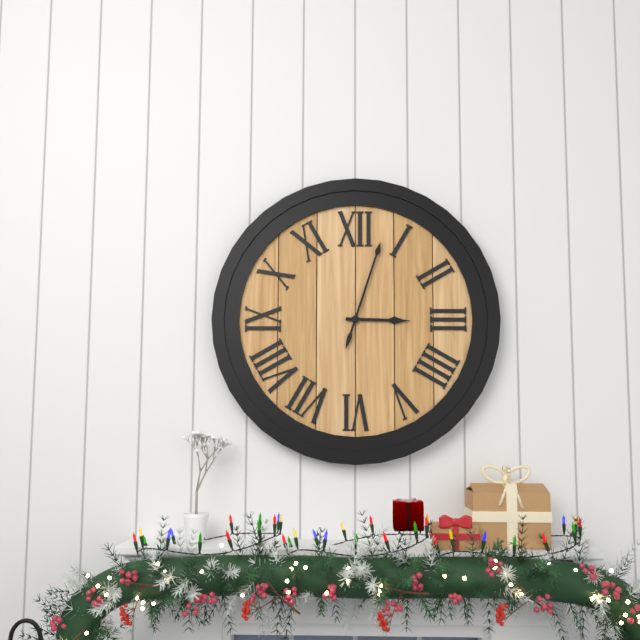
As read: 3h03
